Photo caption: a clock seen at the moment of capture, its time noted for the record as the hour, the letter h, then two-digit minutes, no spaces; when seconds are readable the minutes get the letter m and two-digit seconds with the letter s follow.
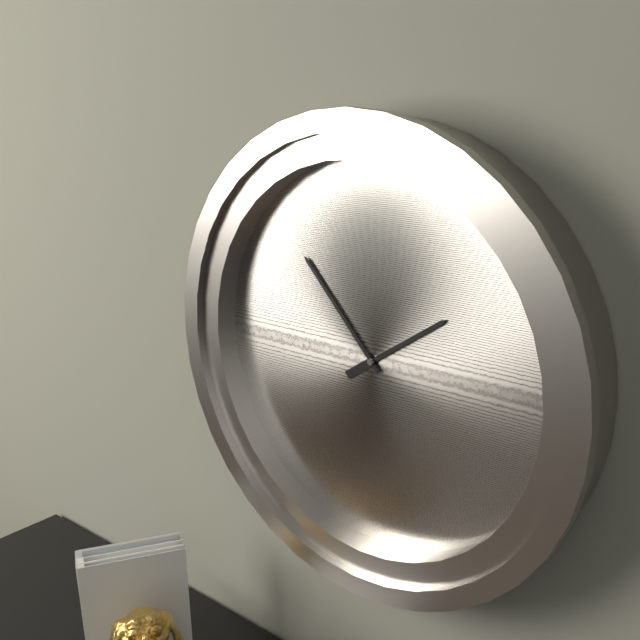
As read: 1h53
